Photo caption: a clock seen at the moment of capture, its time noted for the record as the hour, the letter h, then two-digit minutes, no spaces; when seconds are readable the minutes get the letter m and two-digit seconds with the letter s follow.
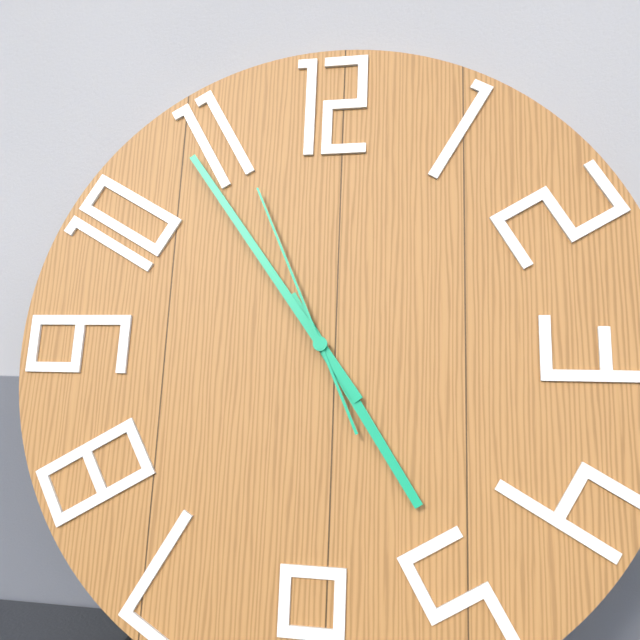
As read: 4h54m56s
